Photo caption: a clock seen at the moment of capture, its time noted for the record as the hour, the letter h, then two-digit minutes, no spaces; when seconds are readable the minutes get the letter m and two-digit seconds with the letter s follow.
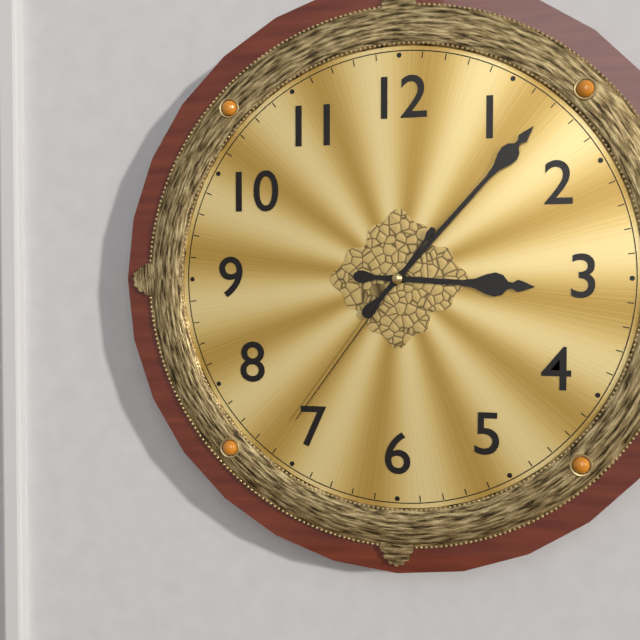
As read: 3h07m36s
